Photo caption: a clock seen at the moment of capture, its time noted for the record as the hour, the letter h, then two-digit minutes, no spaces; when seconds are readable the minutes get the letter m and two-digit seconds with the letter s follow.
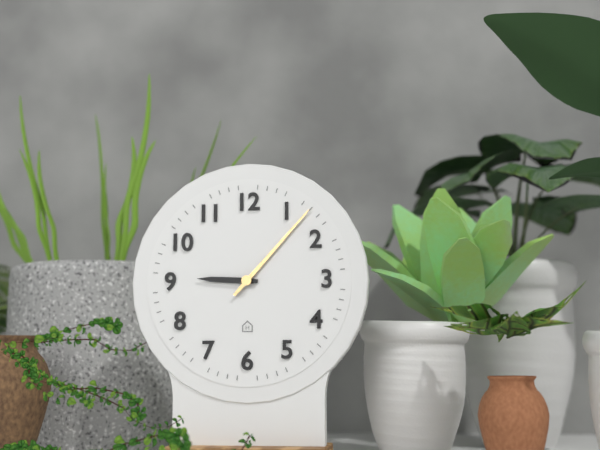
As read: 9h07
